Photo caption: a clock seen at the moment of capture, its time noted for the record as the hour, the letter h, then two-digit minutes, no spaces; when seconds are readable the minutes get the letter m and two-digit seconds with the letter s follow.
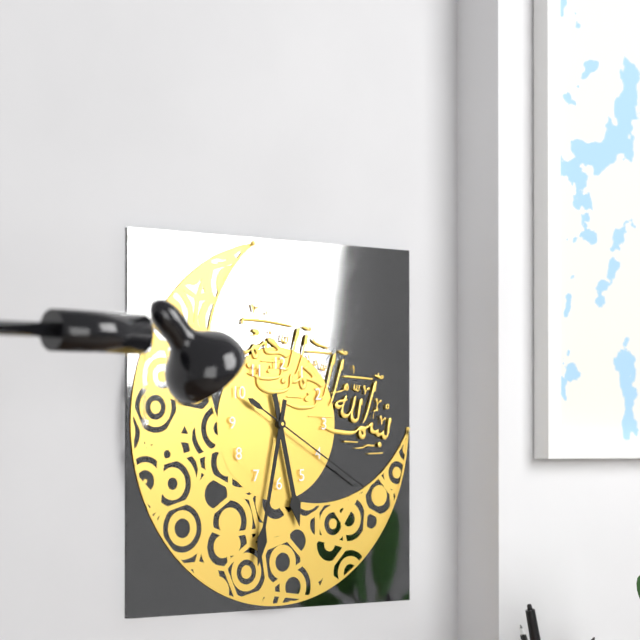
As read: 5h32m20s
